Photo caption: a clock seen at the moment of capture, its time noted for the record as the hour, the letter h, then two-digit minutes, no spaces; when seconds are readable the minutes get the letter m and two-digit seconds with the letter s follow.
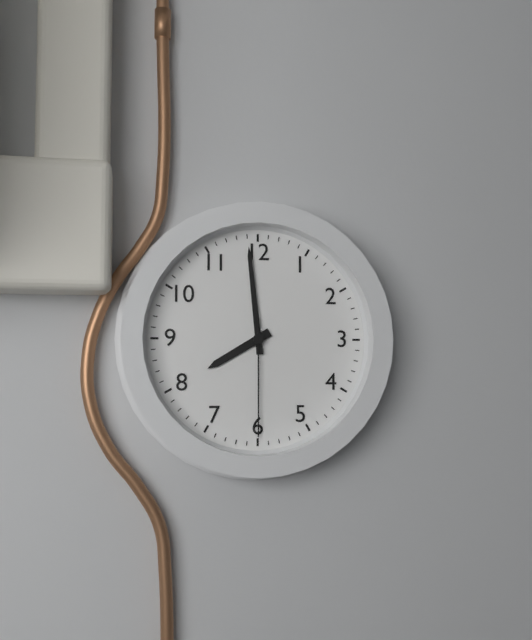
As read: 7h59m30s
